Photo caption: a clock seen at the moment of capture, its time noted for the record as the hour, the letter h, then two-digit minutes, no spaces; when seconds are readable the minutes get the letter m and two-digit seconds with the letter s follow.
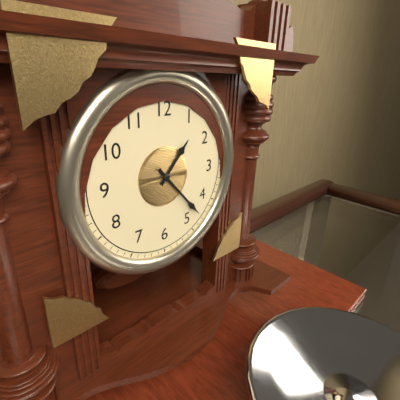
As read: 1h23
